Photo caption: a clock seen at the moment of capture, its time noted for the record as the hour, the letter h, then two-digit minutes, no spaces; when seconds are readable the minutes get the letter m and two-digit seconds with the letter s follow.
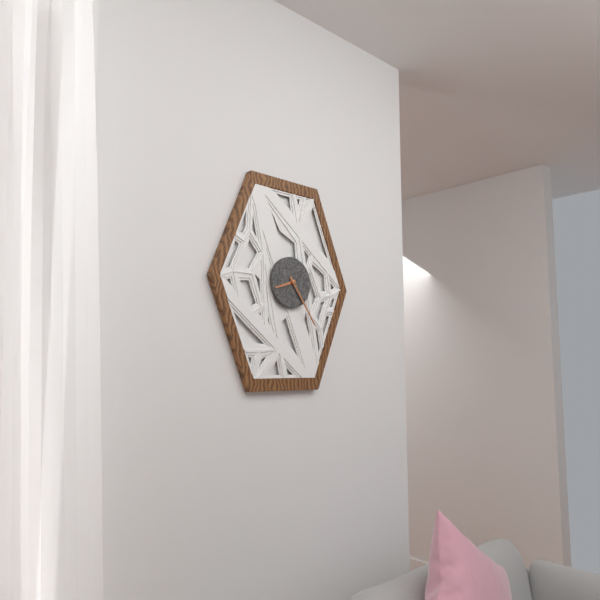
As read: 8h24
